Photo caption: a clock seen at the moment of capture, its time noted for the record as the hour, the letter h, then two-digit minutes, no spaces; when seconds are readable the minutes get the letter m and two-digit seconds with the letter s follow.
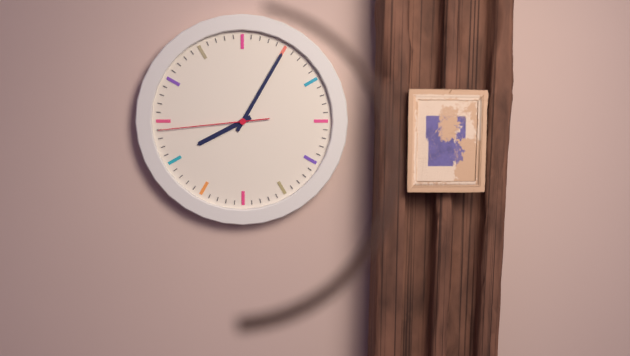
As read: 8h05m44s
